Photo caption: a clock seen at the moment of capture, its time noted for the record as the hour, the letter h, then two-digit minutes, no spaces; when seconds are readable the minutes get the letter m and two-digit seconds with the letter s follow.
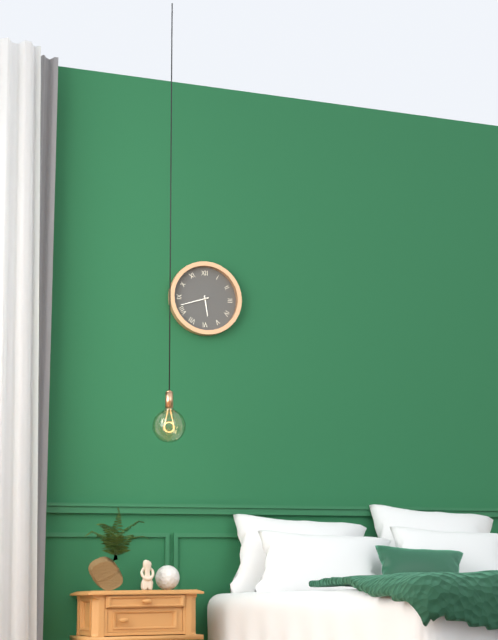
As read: 5h42
